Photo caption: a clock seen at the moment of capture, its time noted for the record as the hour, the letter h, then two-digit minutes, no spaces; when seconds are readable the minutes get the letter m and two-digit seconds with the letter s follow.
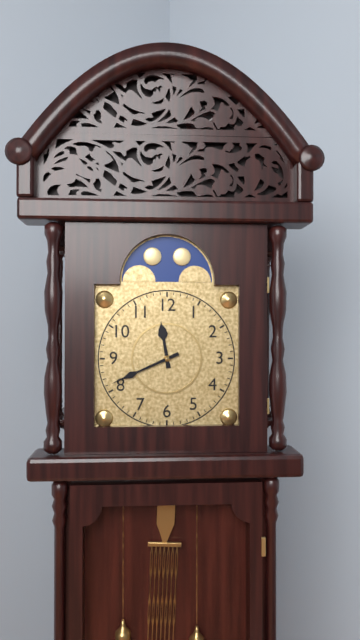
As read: 11h41
